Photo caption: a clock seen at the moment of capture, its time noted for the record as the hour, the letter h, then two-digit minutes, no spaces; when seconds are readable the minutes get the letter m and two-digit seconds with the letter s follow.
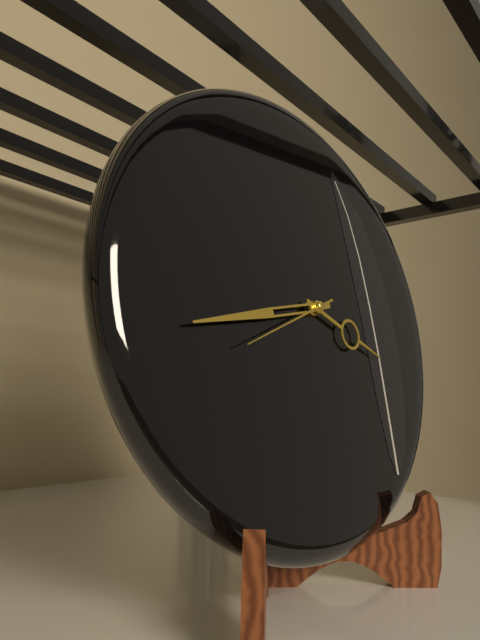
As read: 3h43m41s
